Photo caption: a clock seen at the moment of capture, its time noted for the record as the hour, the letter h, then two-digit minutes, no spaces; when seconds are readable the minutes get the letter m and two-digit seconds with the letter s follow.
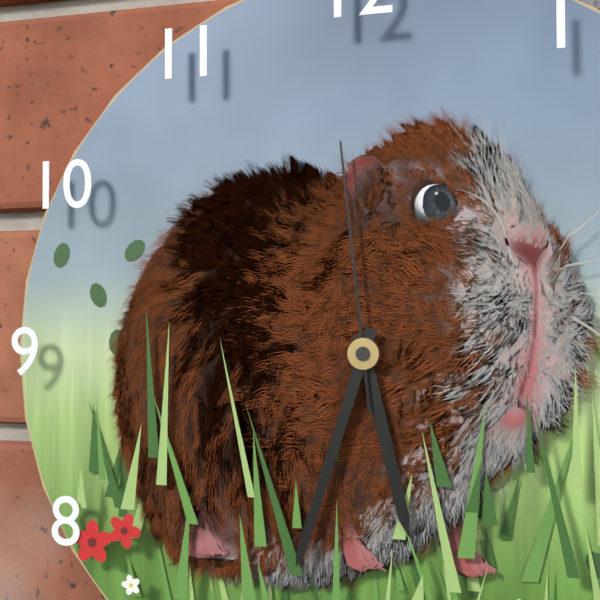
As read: 5h33m59s
